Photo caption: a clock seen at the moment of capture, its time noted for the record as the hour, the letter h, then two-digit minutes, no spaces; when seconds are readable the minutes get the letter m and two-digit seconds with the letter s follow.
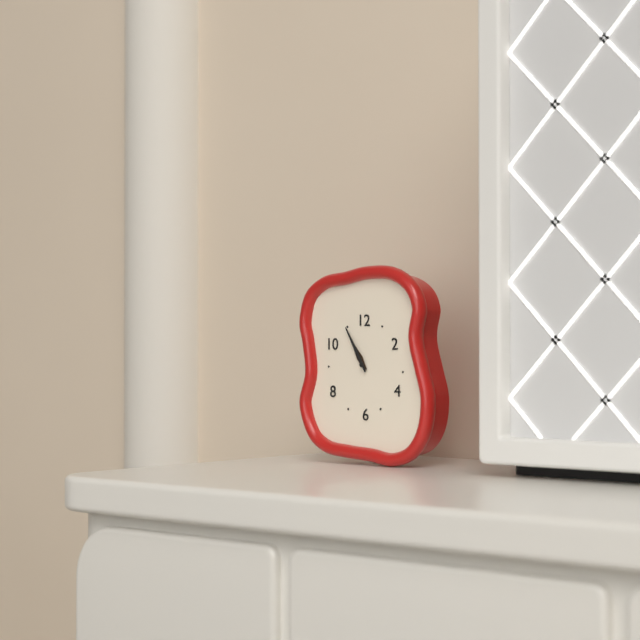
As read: 10h55
